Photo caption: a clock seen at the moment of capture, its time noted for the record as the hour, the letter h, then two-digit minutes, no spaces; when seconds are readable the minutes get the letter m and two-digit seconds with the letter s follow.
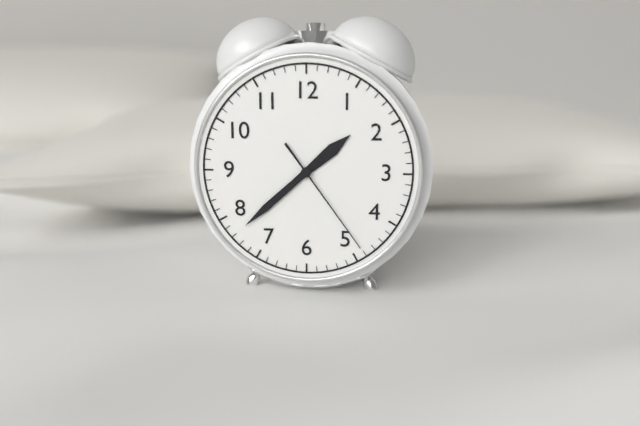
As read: 1h38m24s
